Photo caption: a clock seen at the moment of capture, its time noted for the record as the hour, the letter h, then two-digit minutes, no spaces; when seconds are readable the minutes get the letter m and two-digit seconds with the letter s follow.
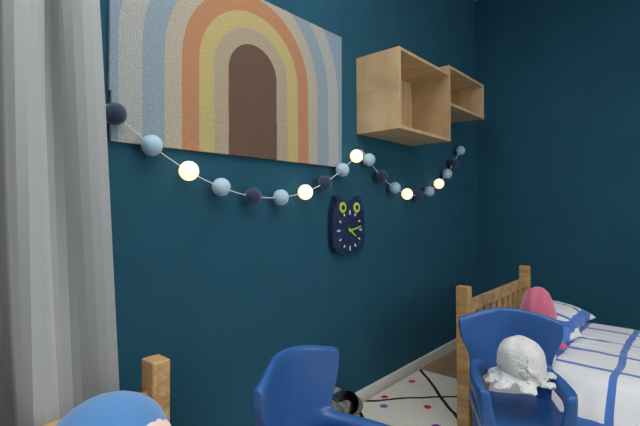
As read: 4h13
